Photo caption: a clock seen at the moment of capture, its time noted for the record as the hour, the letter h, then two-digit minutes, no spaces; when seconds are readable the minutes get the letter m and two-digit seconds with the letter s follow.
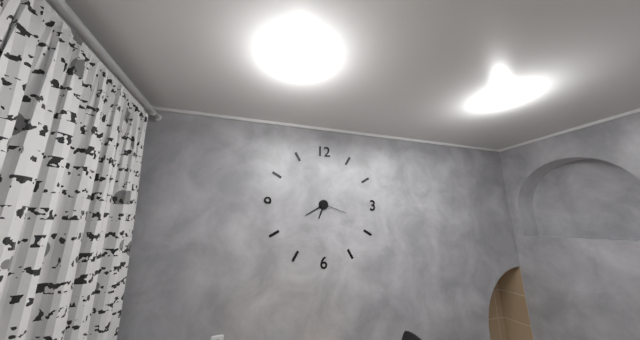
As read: 6h40
